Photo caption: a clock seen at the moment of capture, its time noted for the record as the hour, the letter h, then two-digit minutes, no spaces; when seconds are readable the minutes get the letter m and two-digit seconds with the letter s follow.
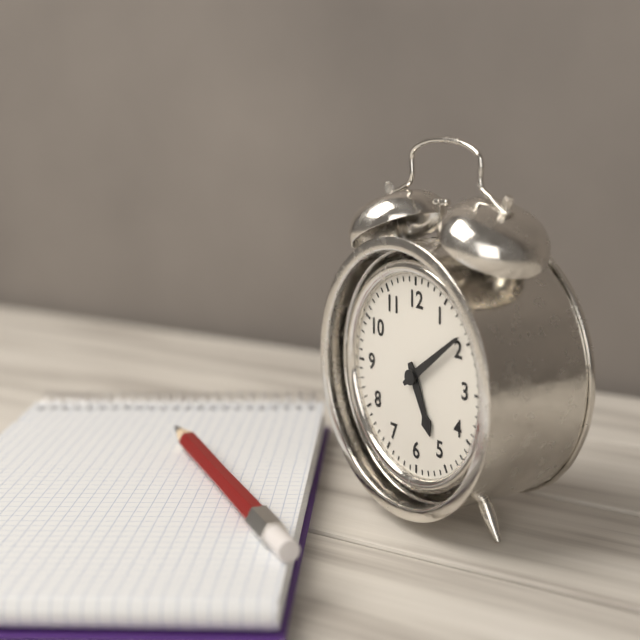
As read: 5h09
